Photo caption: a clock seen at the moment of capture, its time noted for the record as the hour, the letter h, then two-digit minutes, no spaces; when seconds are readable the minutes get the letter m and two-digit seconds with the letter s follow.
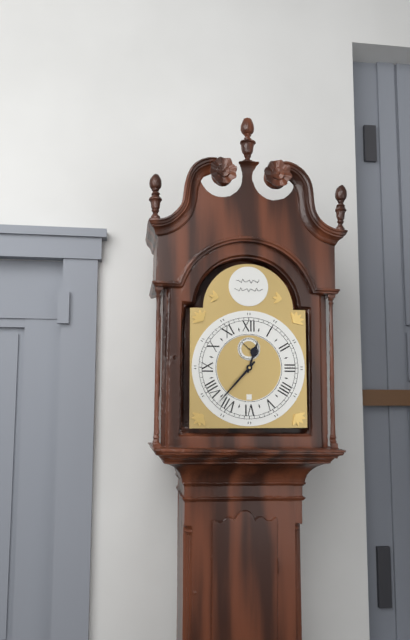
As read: 12h37
